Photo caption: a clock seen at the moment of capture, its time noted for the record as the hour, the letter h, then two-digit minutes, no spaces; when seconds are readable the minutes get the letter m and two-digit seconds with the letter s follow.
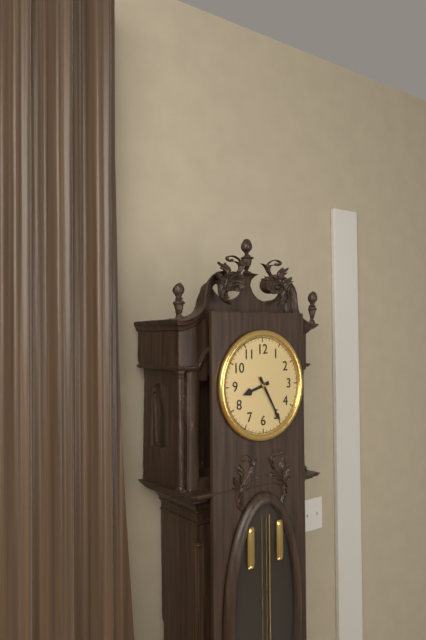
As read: 8h25
